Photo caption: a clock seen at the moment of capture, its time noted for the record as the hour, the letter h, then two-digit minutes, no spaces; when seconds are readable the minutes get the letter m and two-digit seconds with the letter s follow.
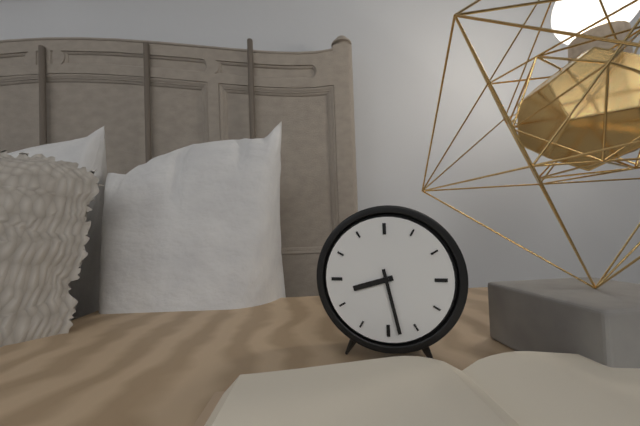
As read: 8h28
